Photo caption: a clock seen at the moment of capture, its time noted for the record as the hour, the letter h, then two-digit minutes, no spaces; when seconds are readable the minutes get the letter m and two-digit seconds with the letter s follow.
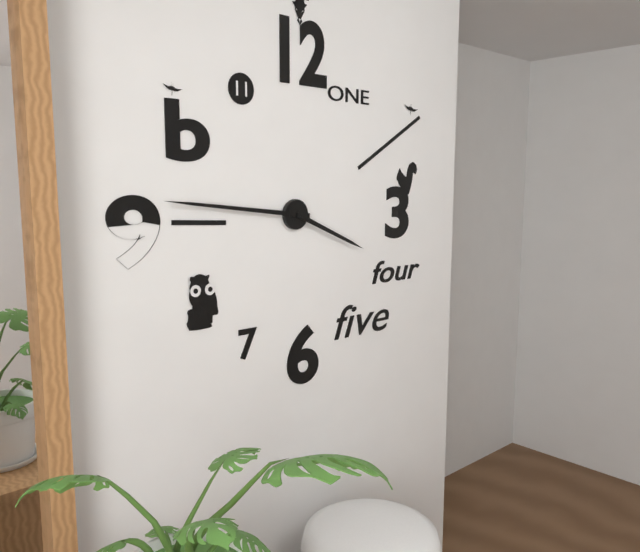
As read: 3h46
